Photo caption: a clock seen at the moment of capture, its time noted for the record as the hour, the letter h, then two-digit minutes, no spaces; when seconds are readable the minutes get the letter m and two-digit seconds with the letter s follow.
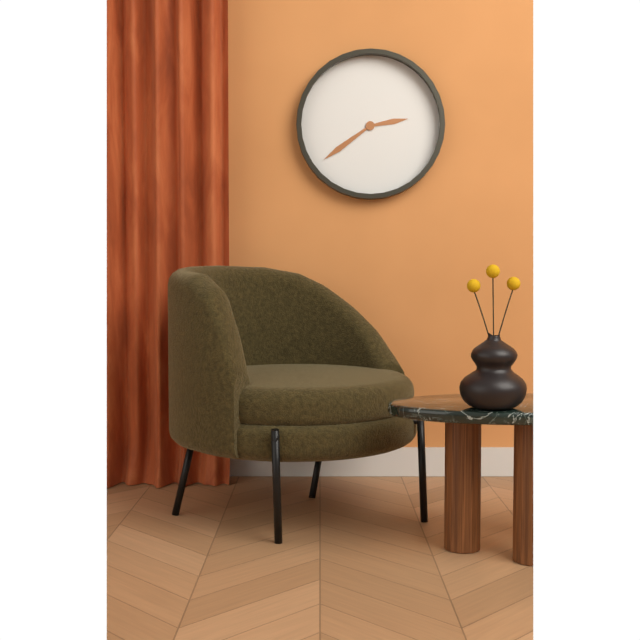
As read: 2h39
